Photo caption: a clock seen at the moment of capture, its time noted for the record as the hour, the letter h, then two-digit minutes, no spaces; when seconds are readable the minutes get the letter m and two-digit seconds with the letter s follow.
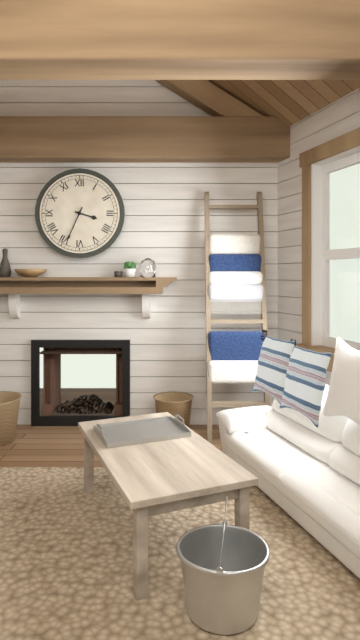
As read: 3h34
